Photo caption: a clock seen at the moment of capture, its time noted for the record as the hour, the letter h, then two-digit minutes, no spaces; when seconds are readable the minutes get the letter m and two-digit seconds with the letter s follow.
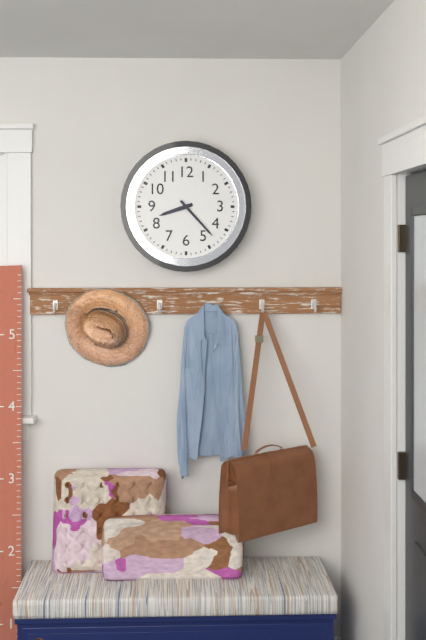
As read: 8h23
